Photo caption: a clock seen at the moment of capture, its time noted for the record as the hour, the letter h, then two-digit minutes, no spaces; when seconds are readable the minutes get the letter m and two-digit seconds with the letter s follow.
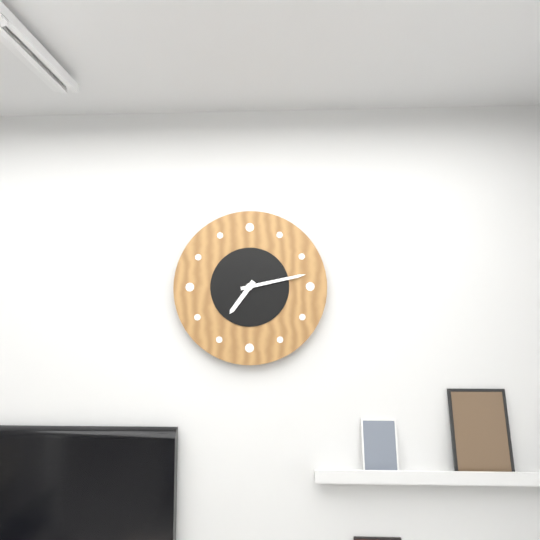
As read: 7h13
